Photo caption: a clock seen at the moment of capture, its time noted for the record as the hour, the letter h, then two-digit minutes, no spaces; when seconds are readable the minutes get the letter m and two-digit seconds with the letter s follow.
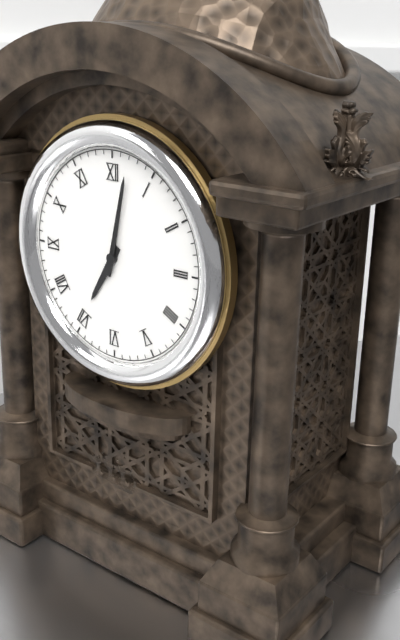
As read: 7h02
